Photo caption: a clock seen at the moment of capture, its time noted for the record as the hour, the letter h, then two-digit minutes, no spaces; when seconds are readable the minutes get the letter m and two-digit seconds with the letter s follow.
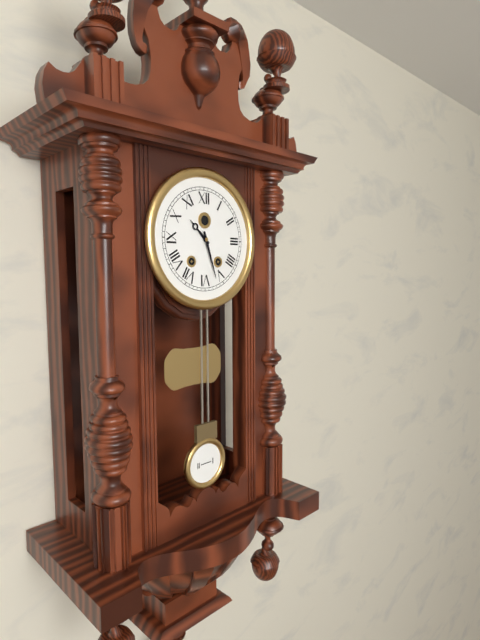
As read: 10h27
